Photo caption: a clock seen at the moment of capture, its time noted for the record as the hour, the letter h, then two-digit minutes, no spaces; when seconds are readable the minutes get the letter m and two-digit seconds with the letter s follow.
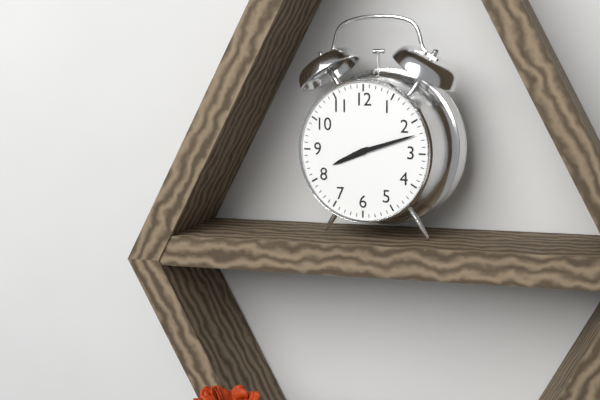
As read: 8h12
